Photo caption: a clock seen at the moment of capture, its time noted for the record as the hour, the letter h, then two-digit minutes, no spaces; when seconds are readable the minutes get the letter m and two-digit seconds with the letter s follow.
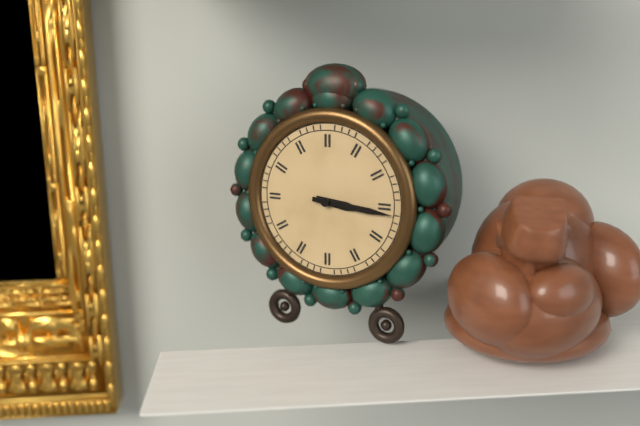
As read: 3h16
